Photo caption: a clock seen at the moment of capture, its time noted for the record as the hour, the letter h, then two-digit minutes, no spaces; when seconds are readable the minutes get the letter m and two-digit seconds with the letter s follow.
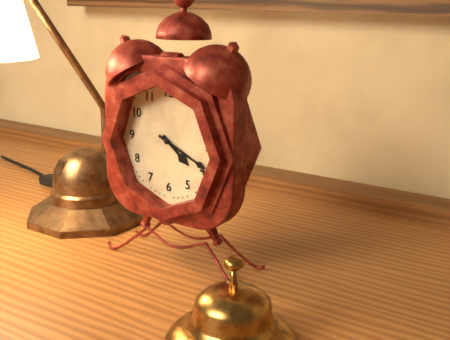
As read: 4h19
